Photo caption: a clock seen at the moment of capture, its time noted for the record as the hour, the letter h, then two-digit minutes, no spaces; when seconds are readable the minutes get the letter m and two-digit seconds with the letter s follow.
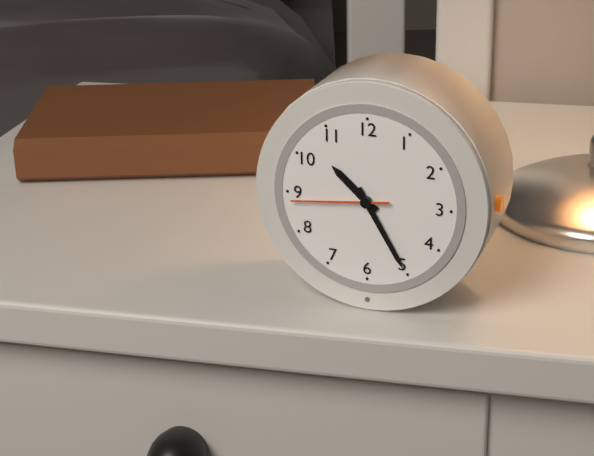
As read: 10h25m44s
